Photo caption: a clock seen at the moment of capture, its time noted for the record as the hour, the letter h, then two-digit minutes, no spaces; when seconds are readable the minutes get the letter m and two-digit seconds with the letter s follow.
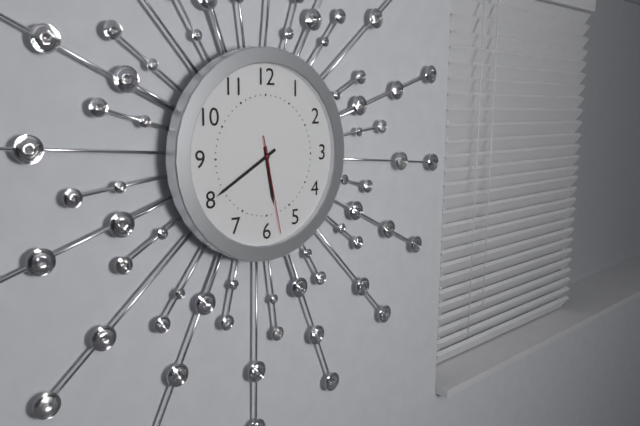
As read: 5h40m28s
